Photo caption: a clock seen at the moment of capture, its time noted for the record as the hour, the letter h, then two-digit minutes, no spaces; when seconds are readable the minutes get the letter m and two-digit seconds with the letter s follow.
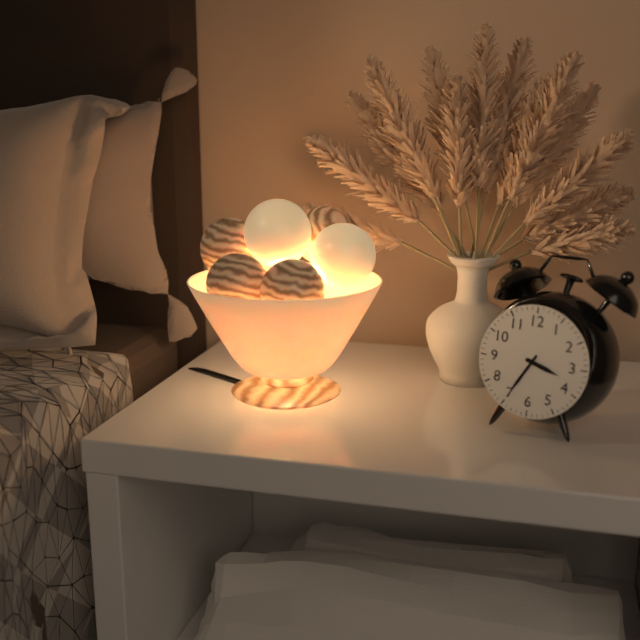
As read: 3h35
